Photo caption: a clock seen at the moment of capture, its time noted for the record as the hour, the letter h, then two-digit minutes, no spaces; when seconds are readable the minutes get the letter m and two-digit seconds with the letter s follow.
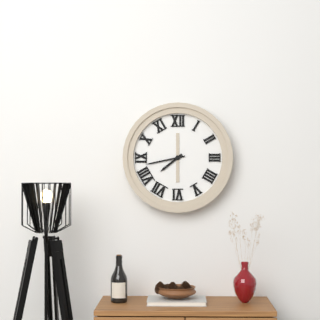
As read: 7h43
